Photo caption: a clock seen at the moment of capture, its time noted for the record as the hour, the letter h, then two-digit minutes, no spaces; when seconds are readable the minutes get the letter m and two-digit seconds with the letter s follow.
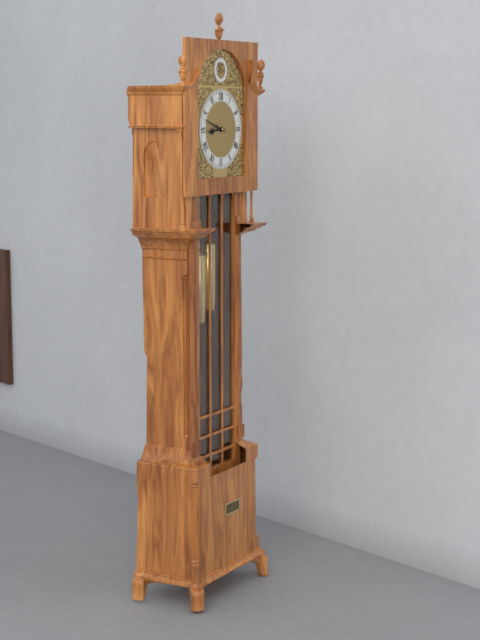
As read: 8h48
